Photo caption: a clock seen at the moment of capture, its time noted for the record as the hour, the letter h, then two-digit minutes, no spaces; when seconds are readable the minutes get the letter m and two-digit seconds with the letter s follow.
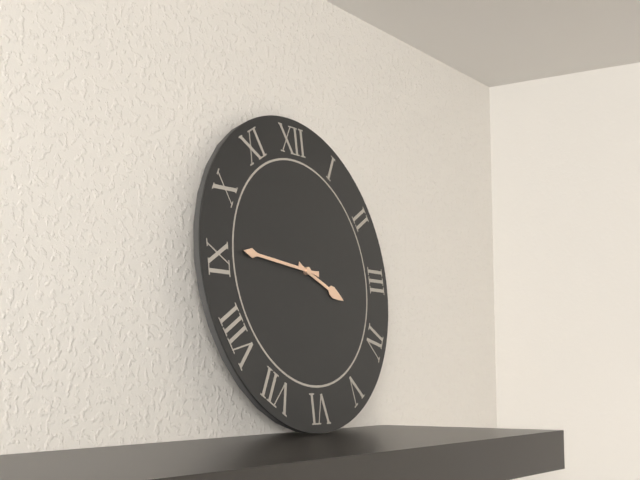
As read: 3h46
